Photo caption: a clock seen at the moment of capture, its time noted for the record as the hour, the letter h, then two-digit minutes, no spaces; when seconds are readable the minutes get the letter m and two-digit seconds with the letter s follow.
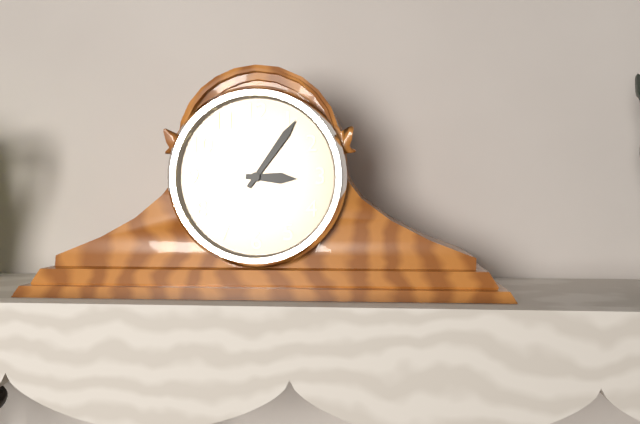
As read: 3h06
